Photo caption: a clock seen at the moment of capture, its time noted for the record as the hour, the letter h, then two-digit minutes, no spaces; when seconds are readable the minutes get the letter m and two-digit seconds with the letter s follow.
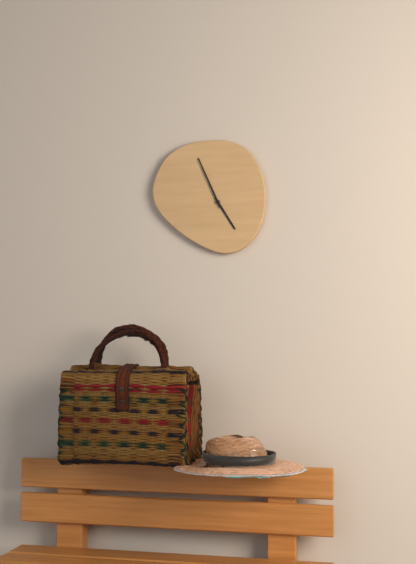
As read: 4h56
